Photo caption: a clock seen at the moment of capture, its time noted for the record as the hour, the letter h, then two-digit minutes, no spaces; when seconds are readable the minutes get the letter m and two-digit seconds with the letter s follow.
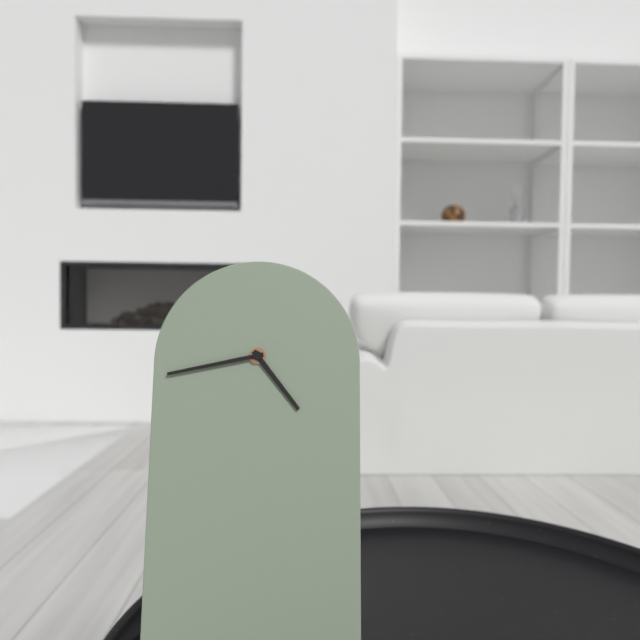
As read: 4h43
